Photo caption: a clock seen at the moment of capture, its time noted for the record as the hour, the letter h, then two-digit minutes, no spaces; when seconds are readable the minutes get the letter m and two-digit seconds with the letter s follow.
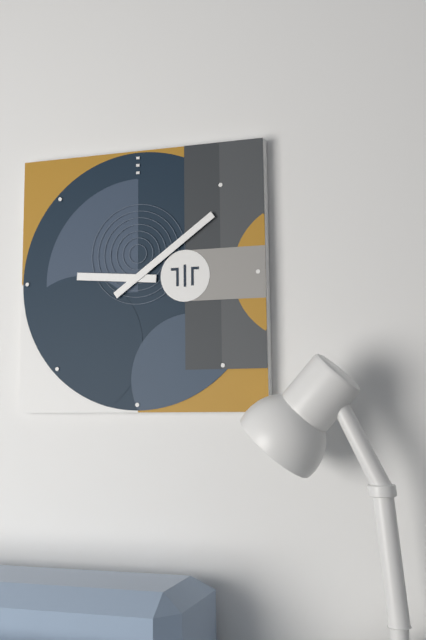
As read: 9h09
